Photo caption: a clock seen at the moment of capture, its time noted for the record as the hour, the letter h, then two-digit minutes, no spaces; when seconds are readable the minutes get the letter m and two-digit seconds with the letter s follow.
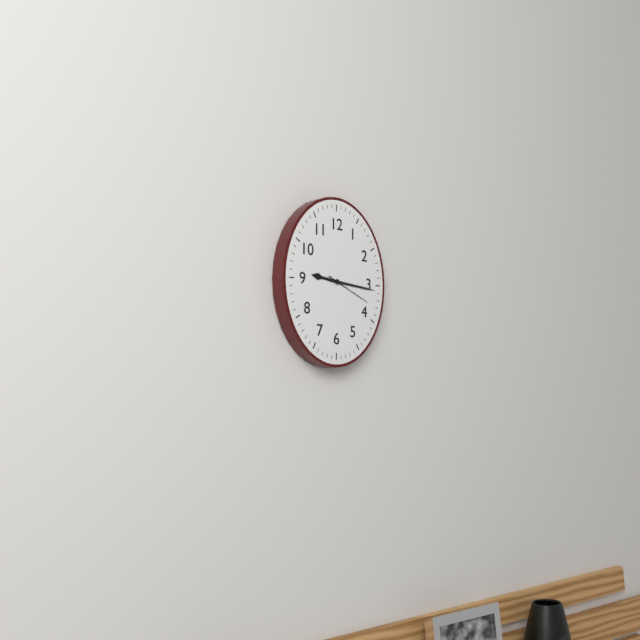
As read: 9h16
